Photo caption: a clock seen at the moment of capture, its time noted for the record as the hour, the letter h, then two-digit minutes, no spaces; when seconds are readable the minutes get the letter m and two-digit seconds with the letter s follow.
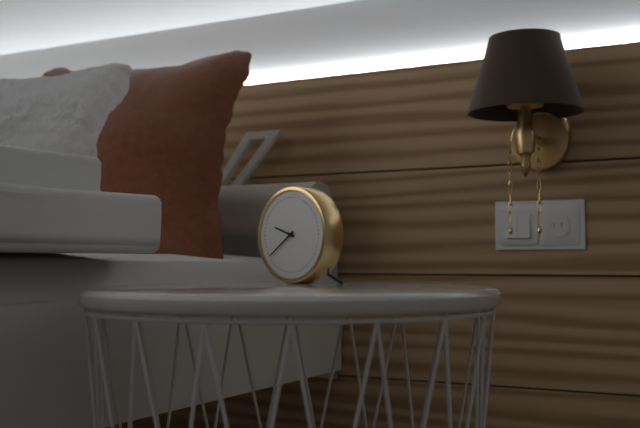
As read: 9h39
